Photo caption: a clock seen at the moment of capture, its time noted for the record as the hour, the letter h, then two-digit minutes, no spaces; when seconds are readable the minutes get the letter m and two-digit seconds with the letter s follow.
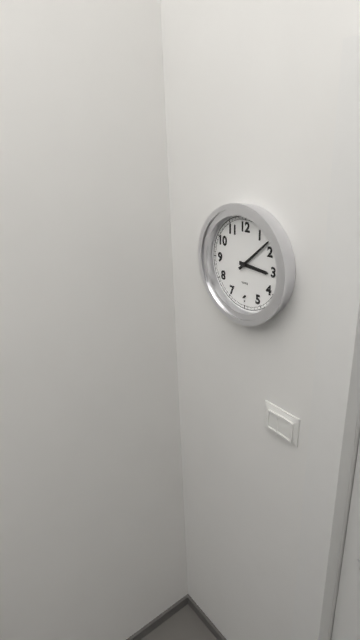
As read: 3h08
